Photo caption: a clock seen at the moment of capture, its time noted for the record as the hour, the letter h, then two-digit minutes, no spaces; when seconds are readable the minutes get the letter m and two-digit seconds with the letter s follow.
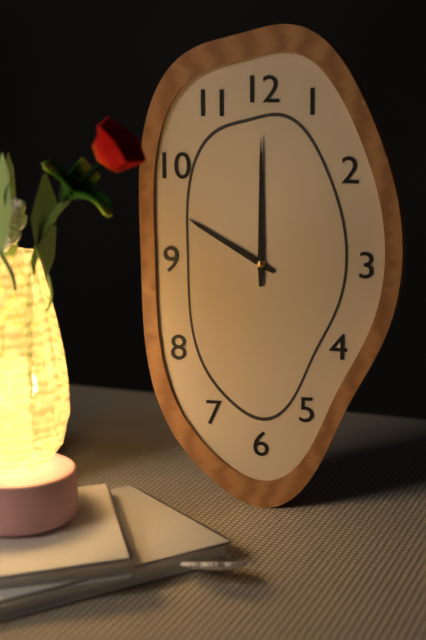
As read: 10h00
